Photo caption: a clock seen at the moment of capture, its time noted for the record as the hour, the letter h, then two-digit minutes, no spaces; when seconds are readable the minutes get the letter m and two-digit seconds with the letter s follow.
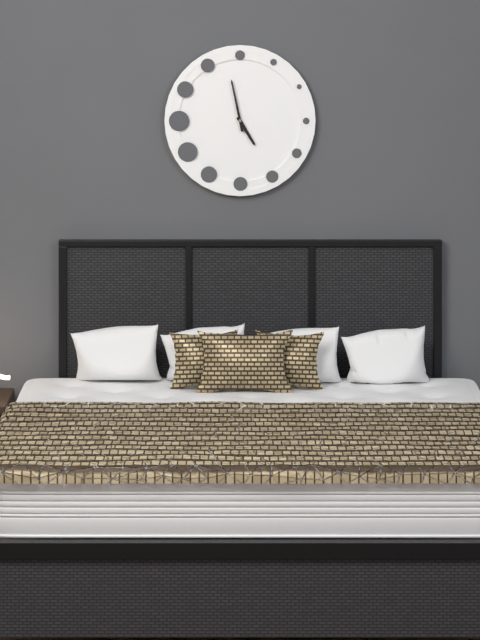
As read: 4h58
